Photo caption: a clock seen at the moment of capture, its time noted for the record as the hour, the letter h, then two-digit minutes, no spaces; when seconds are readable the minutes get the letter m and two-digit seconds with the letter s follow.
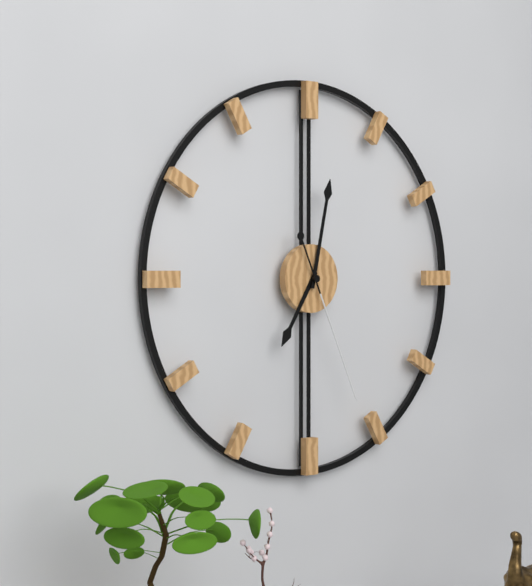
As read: 7h02m26s
